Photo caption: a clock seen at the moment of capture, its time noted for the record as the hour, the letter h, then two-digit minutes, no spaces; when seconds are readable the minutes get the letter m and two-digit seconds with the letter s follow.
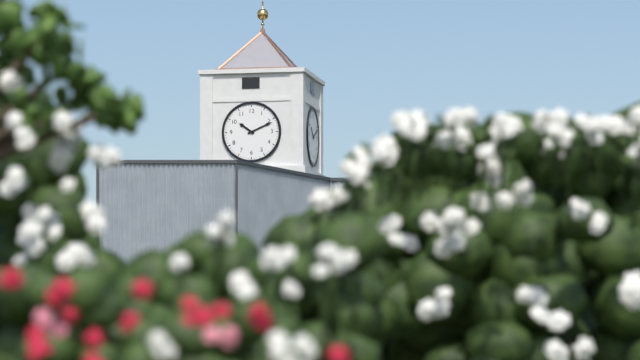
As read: 10h11
